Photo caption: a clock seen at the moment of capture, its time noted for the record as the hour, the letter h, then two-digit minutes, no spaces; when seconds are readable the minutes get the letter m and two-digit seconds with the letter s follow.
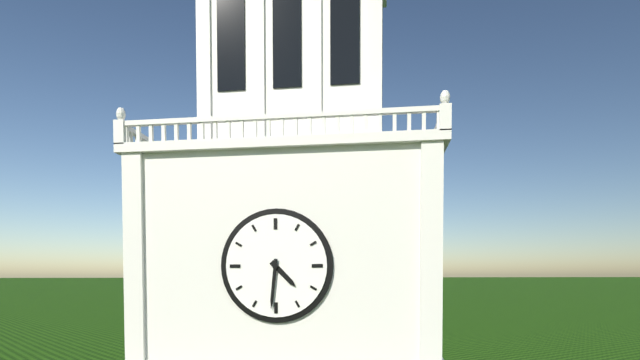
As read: 4h31
